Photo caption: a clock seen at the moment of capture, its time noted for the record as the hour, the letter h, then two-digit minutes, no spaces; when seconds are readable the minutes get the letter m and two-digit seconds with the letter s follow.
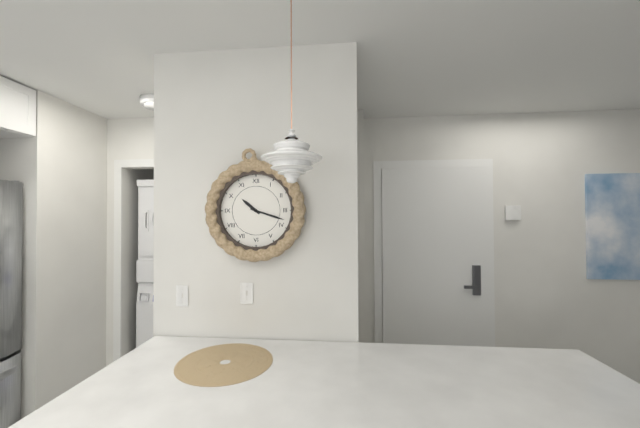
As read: 10h18
